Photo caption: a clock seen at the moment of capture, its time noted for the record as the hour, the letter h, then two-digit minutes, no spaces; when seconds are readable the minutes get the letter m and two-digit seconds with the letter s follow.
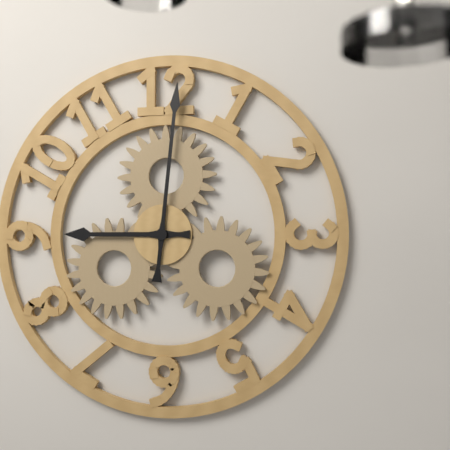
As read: 9h01
